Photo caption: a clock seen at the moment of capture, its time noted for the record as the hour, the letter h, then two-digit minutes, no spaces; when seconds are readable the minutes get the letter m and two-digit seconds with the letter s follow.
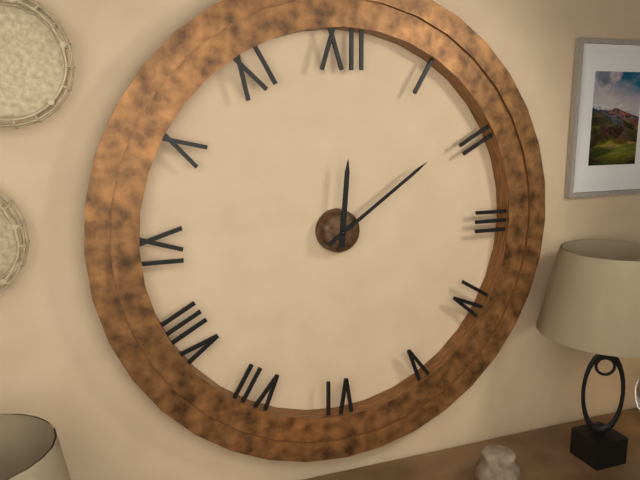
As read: 12h09
